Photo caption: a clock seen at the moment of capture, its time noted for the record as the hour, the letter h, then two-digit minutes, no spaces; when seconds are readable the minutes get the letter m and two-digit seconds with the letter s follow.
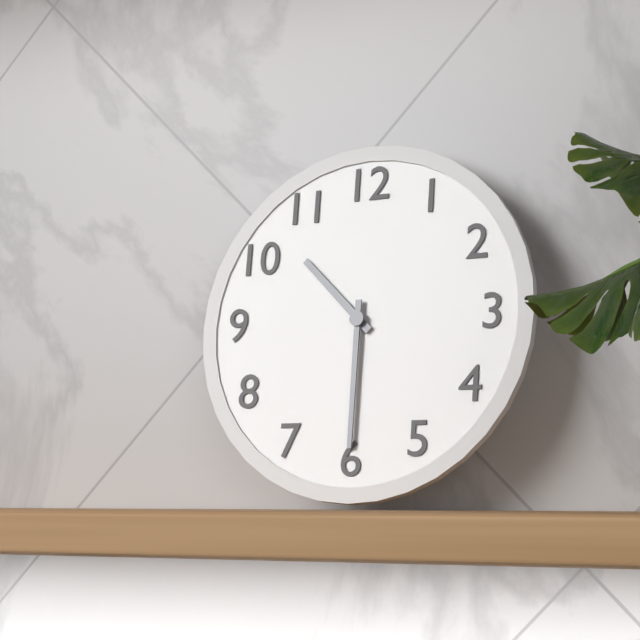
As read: 10h30
